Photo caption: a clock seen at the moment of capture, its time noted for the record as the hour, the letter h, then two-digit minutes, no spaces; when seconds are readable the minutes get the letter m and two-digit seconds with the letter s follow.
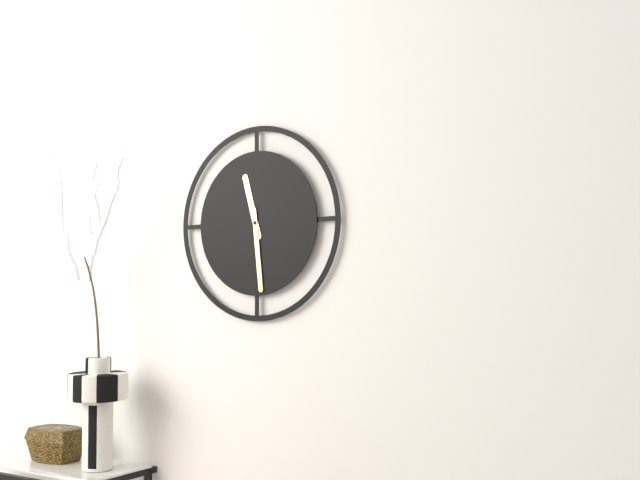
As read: 11h29
